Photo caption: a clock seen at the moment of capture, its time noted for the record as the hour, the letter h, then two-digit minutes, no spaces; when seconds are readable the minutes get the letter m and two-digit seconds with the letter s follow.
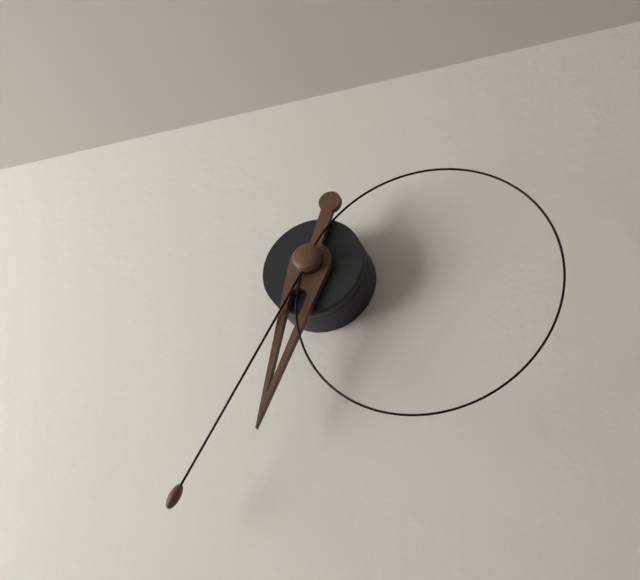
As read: 6h35m19s
